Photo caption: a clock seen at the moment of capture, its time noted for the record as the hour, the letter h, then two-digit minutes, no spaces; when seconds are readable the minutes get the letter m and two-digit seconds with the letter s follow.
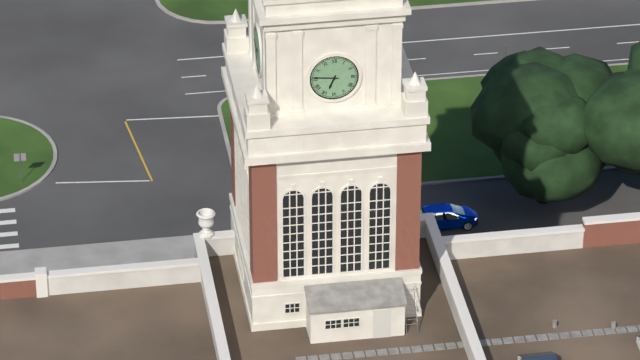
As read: 6h46
